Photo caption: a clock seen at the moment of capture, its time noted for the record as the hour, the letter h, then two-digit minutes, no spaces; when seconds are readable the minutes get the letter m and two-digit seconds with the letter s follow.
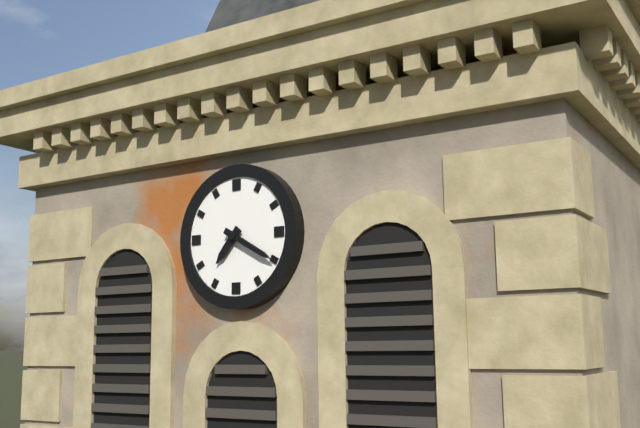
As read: 7h20
